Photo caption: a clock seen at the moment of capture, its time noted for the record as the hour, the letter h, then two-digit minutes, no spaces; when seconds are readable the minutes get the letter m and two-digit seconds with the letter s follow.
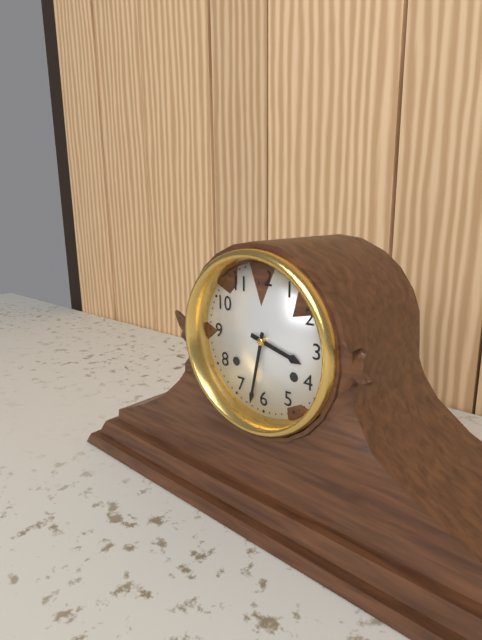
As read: 3h32
